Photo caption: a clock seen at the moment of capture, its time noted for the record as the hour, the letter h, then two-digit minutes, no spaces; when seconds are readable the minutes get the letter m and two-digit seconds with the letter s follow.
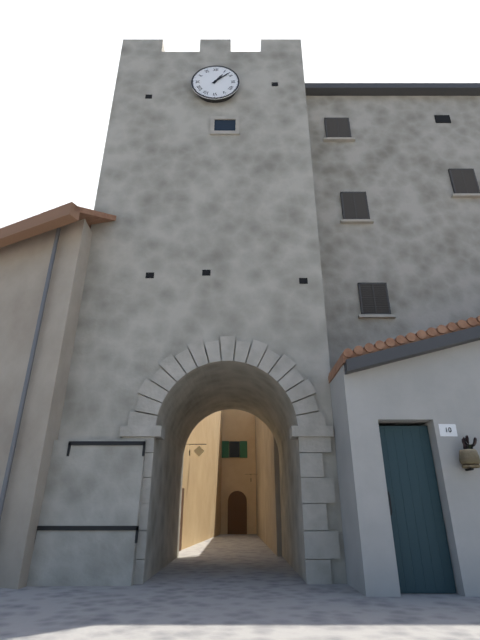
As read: 1h08
